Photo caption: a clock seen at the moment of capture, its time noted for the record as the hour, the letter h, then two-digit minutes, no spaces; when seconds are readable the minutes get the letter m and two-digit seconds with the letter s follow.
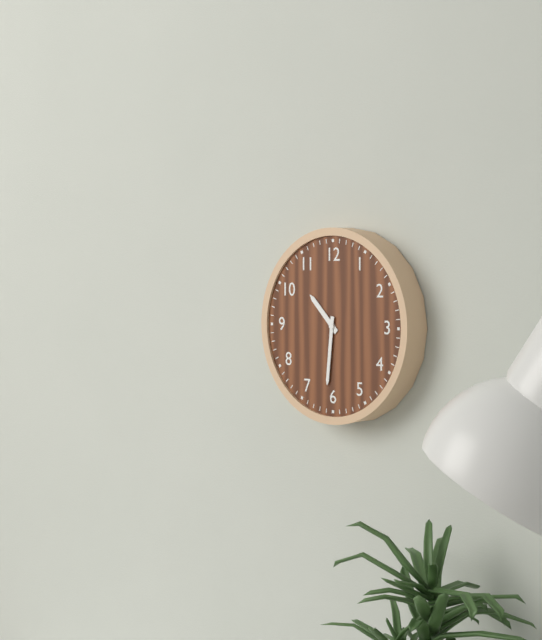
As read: 10h31
